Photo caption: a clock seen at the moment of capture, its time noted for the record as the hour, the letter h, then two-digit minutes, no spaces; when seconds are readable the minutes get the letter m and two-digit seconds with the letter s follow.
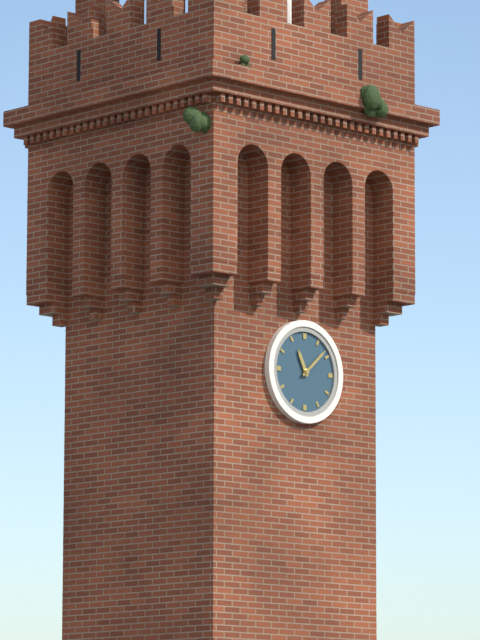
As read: 11h08
